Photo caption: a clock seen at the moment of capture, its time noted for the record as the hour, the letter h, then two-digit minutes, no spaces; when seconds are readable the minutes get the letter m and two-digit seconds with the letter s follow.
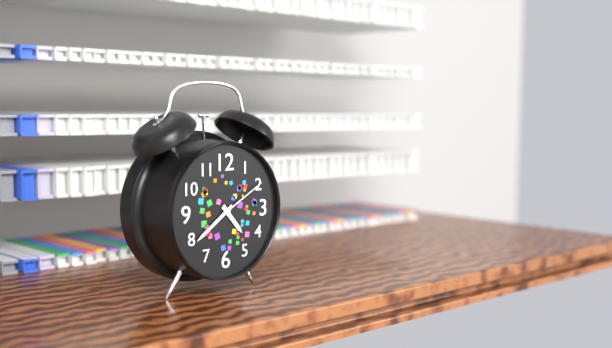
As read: 4h39m10s
